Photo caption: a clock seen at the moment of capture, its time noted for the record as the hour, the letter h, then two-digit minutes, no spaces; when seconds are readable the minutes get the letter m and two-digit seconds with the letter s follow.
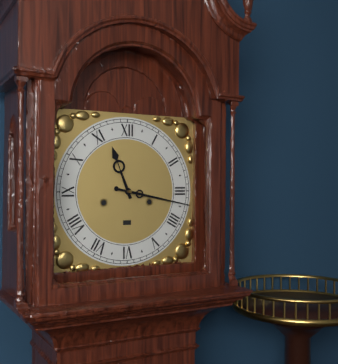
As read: 11h17
